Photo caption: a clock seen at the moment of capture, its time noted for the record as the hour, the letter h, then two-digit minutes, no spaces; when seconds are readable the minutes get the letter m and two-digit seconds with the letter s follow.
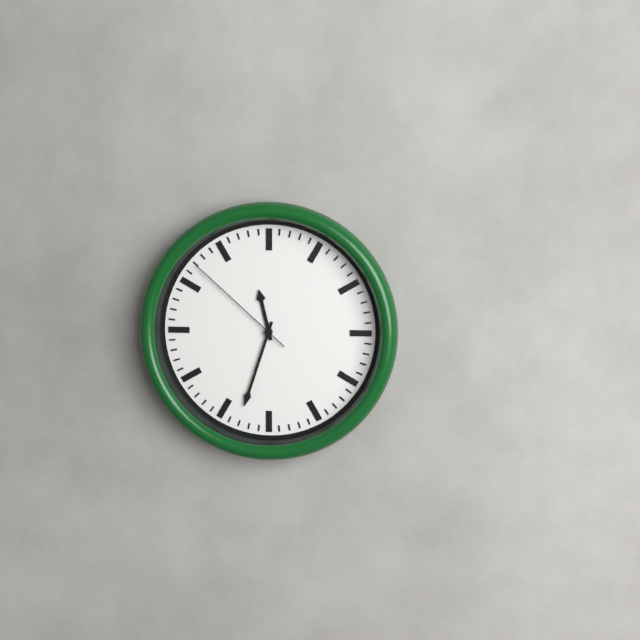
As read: 11h33m52s
